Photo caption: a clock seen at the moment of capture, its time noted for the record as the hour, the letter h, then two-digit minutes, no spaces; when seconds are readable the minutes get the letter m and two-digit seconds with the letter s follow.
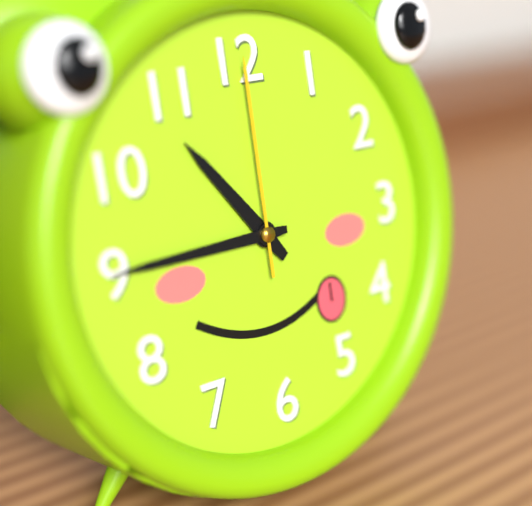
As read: 10h45m00s
